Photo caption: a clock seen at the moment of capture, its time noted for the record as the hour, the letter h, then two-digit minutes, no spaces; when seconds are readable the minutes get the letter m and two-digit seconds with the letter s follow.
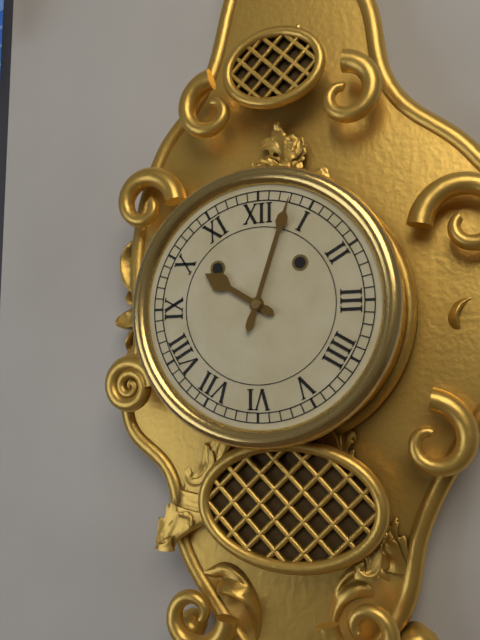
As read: 10h03
